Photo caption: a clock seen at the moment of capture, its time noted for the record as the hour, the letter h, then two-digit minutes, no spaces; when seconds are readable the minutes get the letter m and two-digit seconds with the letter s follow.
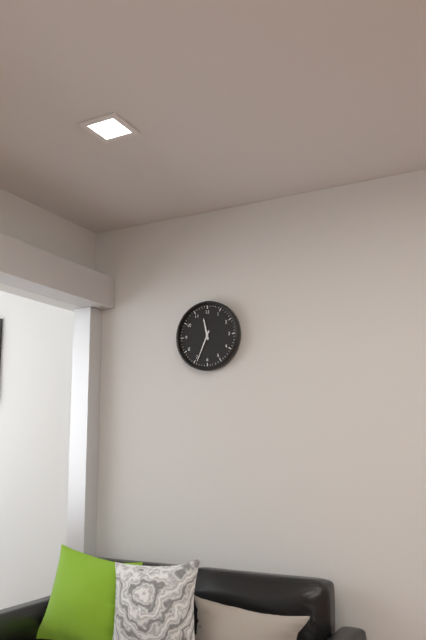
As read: 11h34
